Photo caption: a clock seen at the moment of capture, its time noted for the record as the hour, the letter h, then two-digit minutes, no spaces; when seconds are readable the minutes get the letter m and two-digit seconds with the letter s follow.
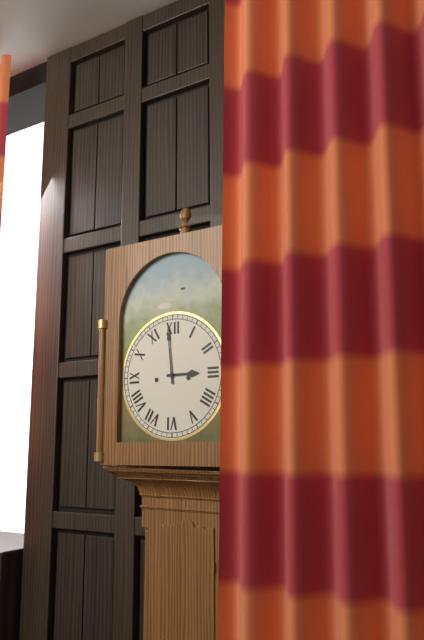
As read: 2h59
